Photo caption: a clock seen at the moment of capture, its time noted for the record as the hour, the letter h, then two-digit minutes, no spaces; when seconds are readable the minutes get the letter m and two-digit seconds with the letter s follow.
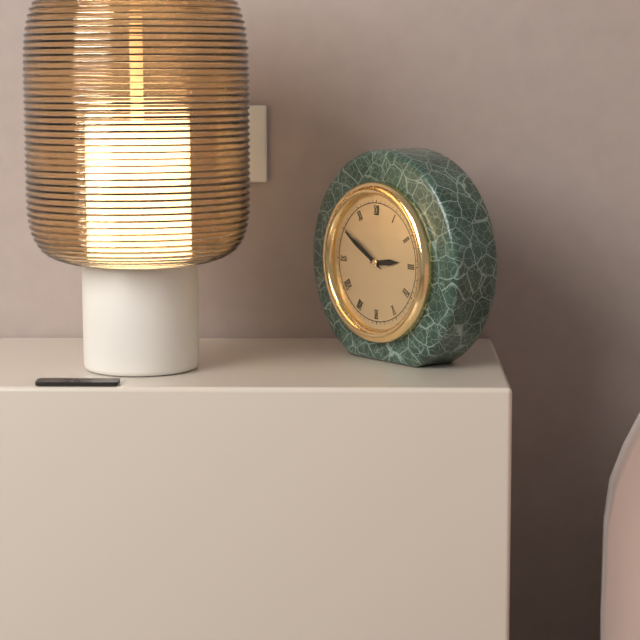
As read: 2h50
